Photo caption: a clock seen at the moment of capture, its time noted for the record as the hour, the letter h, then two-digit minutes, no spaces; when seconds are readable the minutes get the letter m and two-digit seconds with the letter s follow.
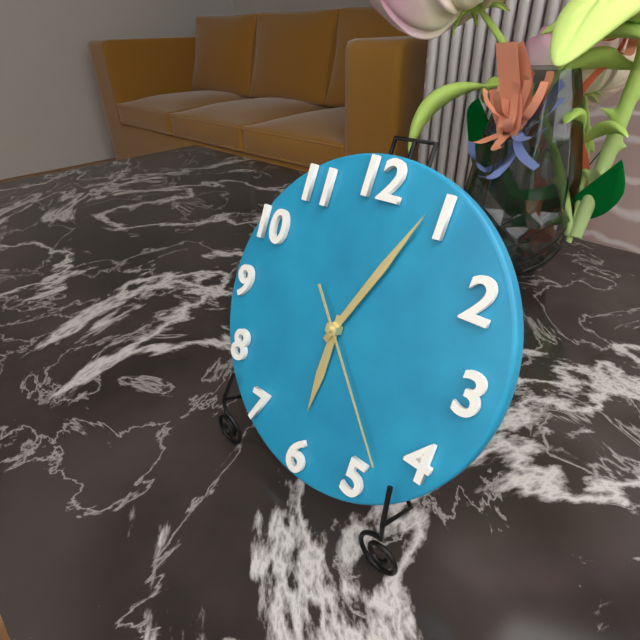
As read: 6h04m23s
